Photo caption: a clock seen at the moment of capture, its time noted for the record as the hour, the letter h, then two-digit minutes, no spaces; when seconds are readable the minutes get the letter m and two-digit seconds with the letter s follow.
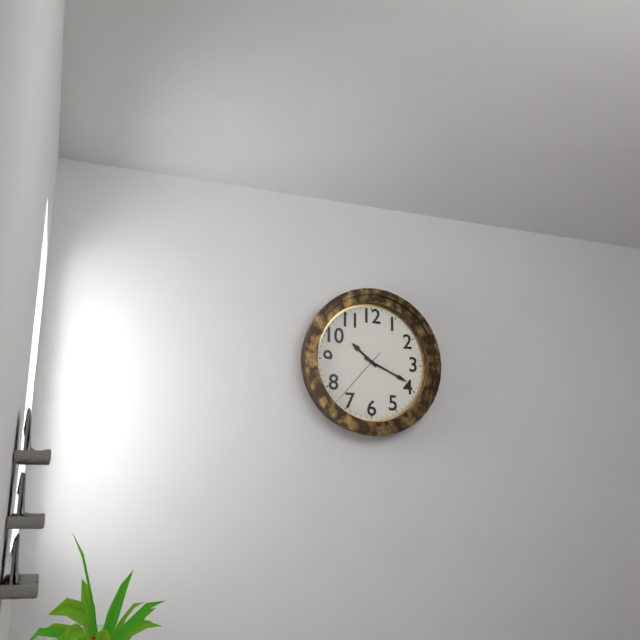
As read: 10h19m37s
